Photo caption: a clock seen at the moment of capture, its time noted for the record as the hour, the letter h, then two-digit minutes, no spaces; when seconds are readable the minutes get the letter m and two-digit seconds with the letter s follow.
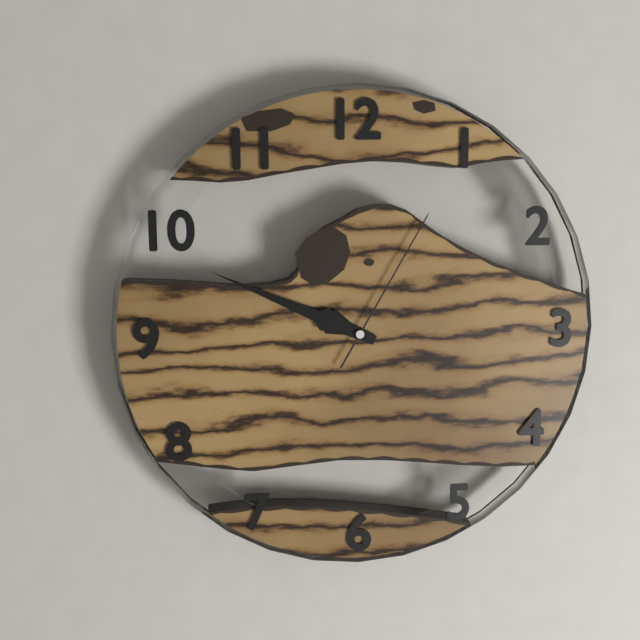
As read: 9h49m05s
